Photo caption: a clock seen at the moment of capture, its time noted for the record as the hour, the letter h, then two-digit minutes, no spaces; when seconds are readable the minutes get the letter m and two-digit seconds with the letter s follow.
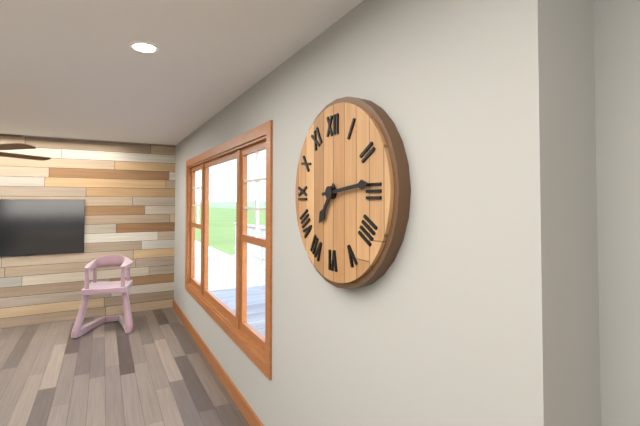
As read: 7h14
